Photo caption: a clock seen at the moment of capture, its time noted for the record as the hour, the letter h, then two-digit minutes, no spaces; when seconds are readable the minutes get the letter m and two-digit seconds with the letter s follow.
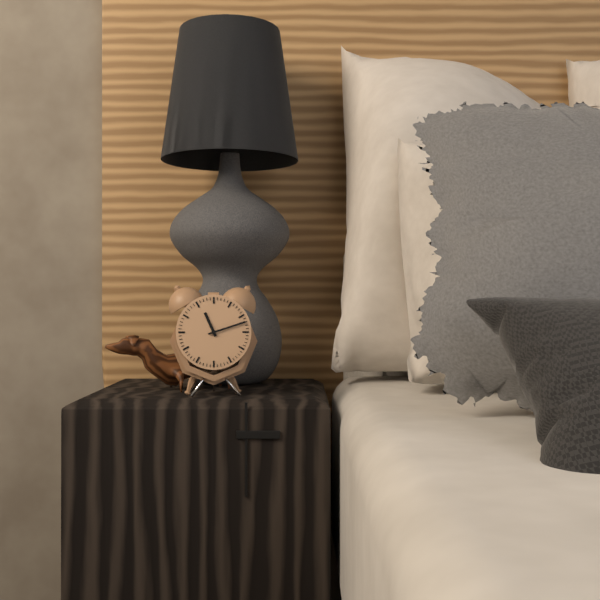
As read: 11h12
